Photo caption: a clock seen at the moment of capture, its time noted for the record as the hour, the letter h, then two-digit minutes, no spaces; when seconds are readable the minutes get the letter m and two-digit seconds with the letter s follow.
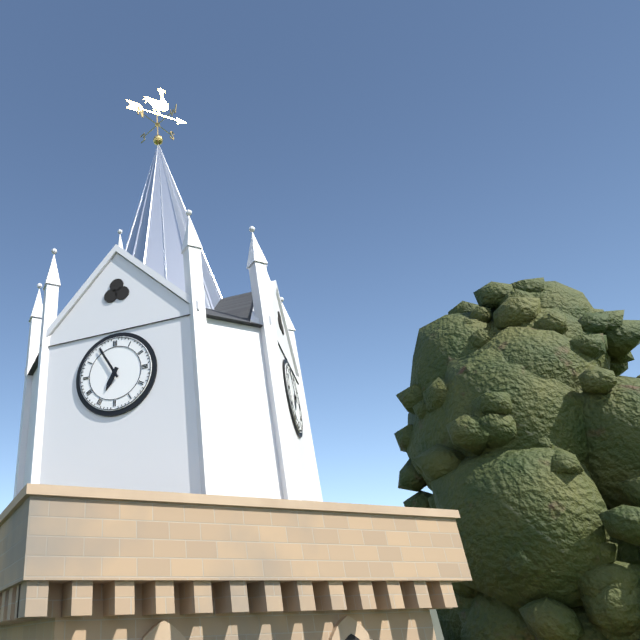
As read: 6h55
